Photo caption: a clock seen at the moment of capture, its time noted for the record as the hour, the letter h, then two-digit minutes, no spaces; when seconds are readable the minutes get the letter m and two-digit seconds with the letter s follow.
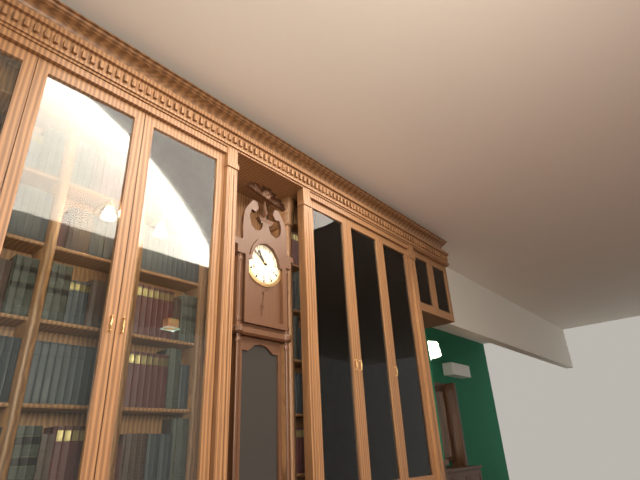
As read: 10h51
